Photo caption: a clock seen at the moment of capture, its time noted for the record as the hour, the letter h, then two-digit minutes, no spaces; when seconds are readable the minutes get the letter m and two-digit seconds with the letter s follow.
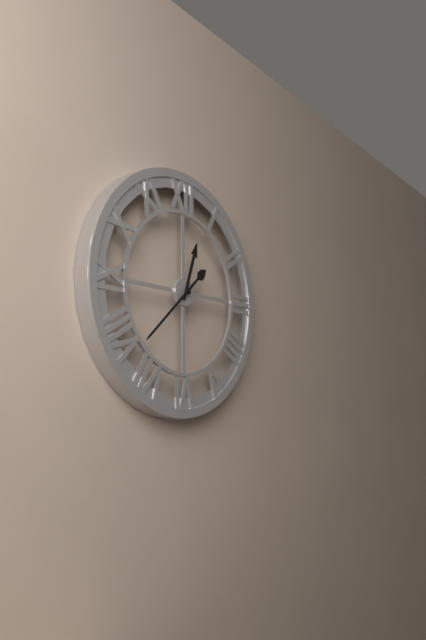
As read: 12h38
